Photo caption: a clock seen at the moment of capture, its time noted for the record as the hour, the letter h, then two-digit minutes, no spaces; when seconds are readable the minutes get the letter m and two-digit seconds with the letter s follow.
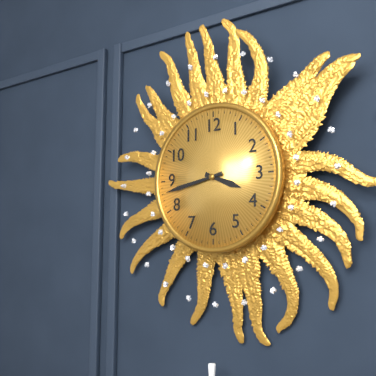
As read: 3h43
